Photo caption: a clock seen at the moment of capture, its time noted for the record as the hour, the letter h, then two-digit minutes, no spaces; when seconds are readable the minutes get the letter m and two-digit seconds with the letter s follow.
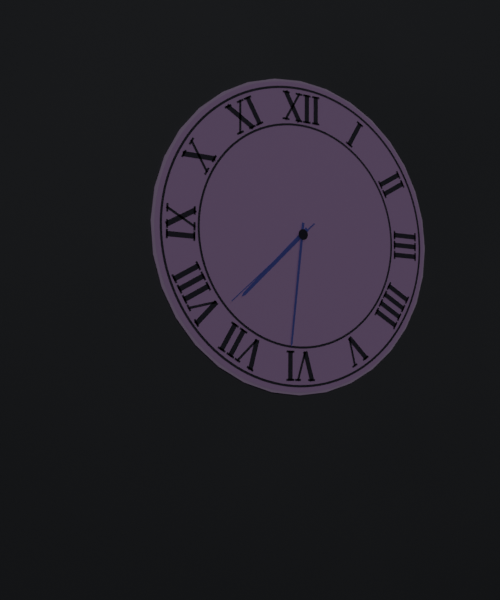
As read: 7h31m38s
